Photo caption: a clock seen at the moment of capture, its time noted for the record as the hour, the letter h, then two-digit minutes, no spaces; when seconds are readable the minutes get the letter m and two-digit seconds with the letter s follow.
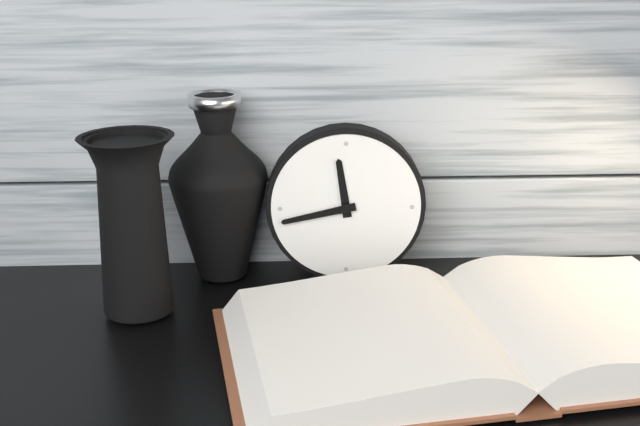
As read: 11h43
